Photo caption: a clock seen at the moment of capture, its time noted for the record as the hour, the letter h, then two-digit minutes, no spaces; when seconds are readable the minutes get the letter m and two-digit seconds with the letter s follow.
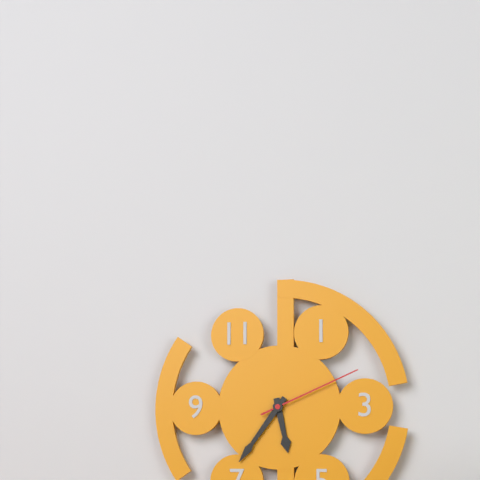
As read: 5h36m11s
